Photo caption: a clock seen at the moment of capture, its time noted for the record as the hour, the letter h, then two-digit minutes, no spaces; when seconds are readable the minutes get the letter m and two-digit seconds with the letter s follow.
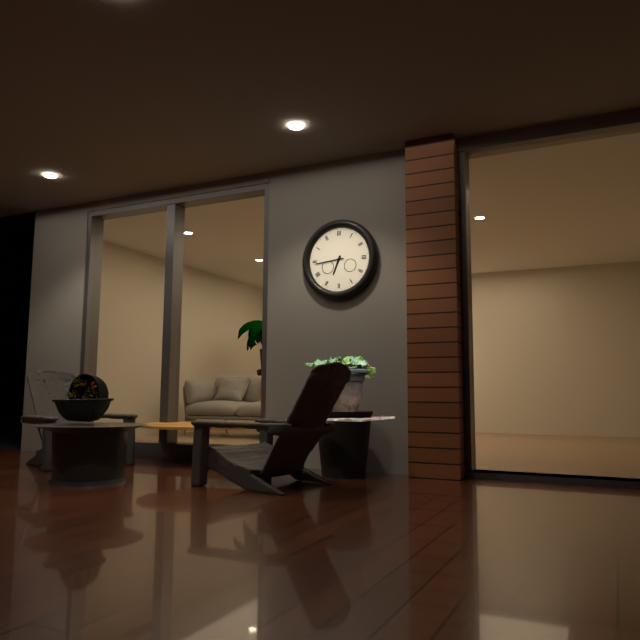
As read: 6h44
